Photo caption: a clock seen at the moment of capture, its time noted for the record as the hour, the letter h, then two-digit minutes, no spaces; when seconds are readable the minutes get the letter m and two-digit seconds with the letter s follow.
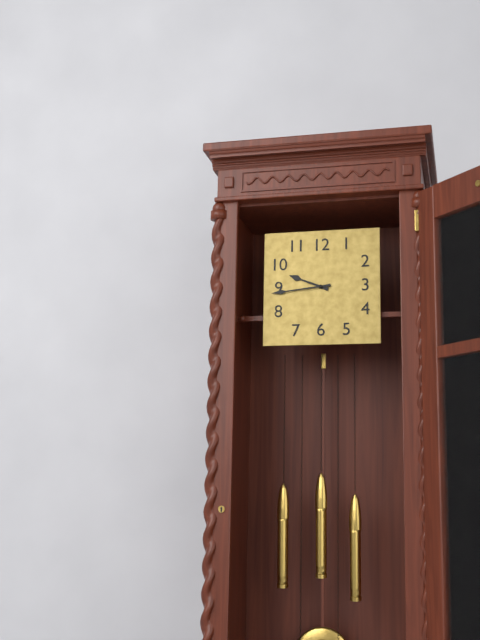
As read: 9h44
